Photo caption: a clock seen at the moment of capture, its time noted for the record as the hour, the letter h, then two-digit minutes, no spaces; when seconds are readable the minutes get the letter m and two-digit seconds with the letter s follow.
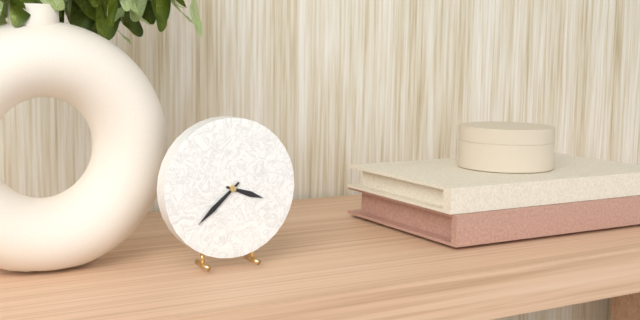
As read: 3h38
